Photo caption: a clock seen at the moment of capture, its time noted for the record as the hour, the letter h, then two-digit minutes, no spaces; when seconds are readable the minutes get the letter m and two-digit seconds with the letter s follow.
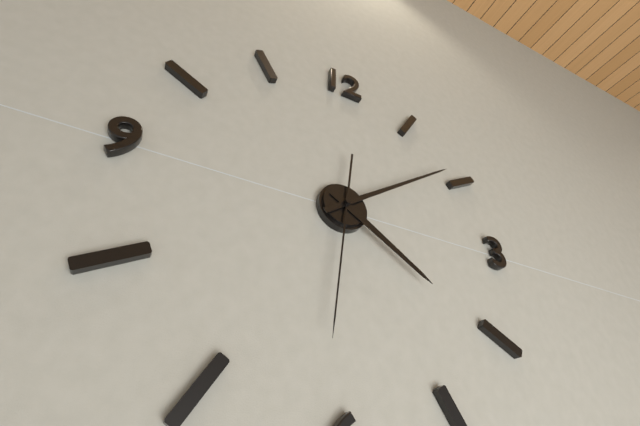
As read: 4h09m31s
